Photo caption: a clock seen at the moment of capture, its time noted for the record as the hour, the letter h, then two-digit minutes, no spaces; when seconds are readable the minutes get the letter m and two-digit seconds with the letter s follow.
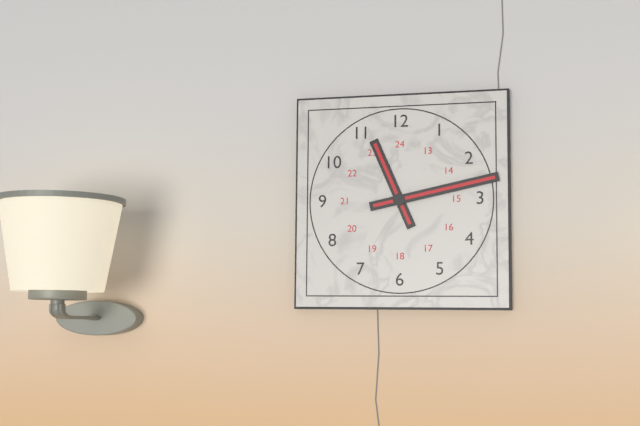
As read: 11h13
